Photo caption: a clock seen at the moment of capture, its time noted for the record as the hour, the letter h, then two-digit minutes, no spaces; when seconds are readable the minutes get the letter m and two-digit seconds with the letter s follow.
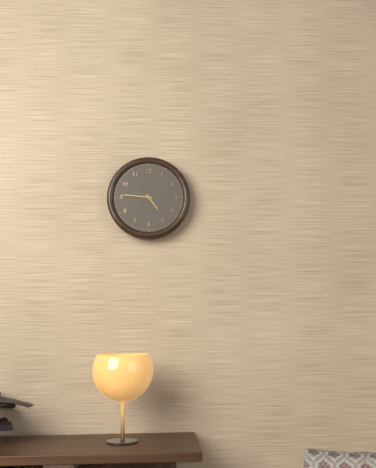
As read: 4h46
